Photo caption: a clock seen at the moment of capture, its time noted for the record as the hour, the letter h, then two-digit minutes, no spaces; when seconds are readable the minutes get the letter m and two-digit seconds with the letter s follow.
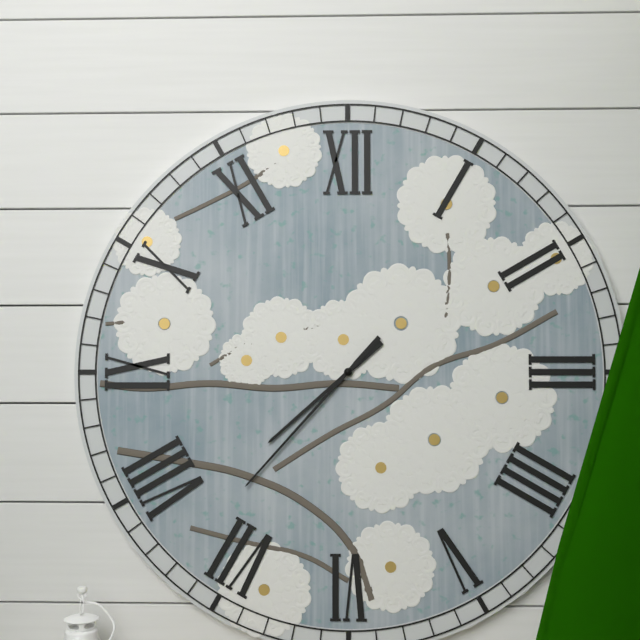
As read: 7h37
